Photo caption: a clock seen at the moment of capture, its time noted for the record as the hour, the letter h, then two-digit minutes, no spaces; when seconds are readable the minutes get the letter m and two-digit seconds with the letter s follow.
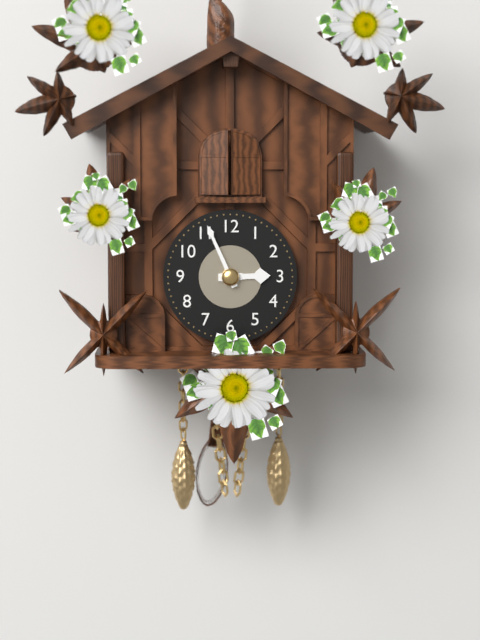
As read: 2h56
